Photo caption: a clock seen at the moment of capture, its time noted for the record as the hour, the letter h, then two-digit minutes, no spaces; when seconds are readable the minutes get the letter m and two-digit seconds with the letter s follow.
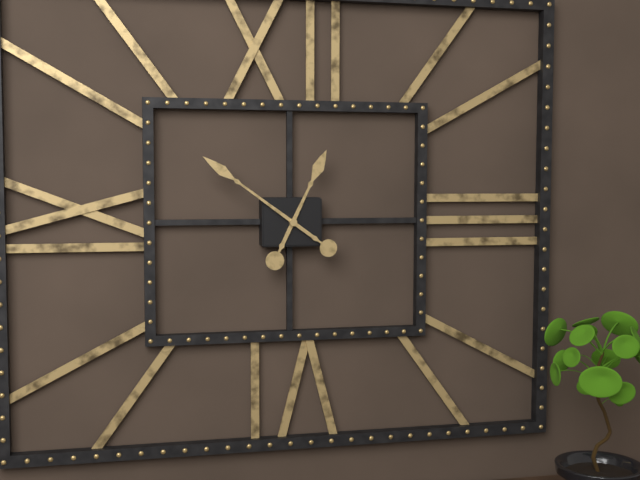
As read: 12h51
